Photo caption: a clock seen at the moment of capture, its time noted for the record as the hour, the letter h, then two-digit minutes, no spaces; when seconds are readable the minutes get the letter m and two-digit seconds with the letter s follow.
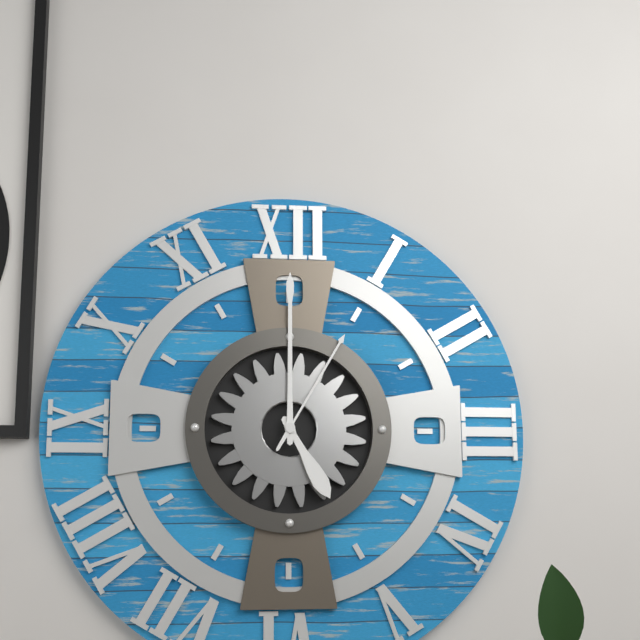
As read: 5h00m05s
